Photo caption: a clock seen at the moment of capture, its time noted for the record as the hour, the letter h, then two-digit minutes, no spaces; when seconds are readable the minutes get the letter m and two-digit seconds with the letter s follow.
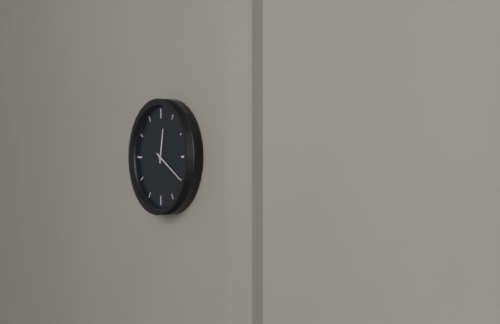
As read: 12h20
